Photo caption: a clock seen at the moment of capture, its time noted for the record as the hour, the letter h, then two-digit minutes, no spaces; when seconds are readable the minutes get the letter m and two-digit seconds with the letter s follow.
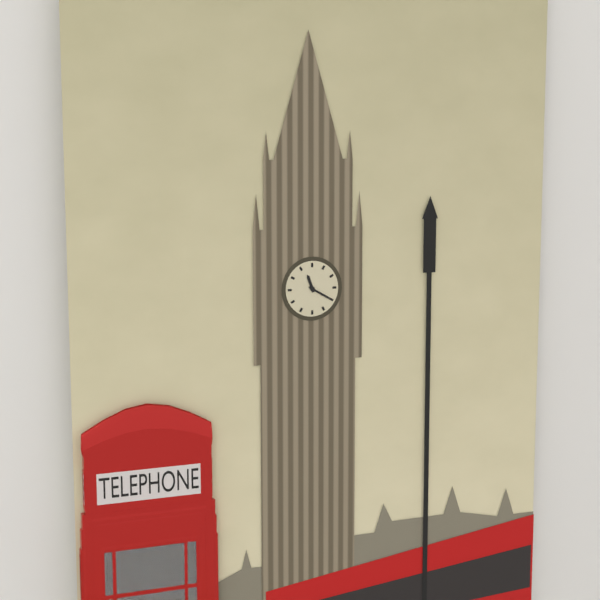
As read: 11h20
